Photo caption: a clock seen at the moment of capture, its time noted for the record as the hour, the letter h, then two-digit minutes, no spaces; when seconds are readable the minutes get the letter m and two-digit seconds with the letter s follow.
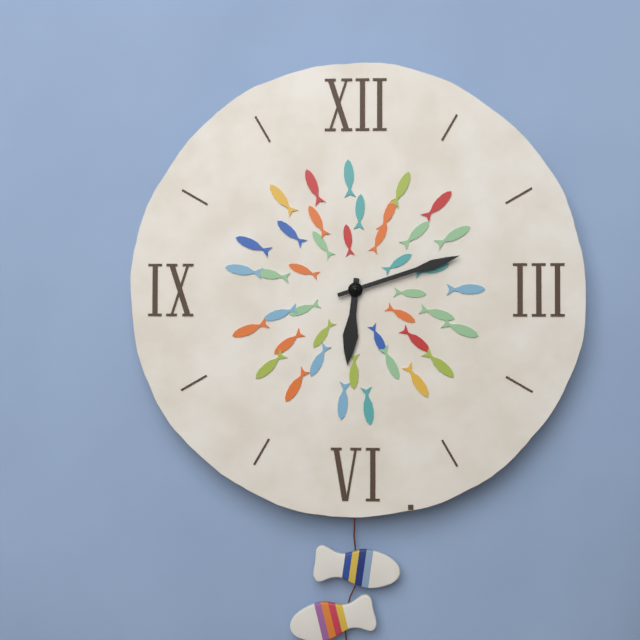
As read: 6h12
